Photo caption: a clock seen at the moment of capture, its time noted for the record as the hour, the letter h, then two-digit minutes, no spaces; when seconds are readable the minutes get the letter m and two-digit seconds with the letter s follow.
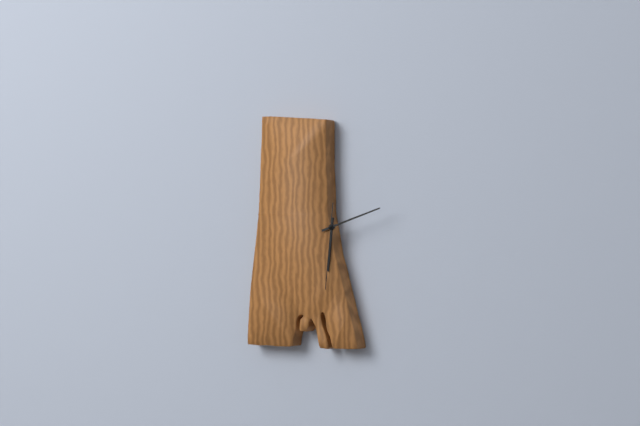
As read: 6h12m31s
